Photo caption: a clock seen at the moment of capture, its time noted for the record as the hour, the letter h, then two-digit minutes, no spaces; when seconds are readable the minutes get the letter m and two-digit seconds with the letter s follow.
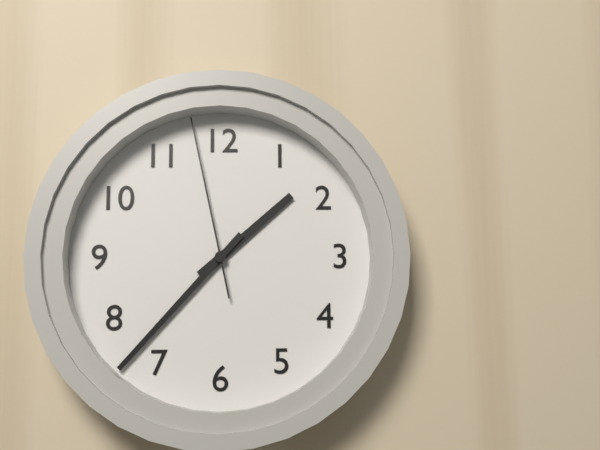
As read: 1h37m58s
